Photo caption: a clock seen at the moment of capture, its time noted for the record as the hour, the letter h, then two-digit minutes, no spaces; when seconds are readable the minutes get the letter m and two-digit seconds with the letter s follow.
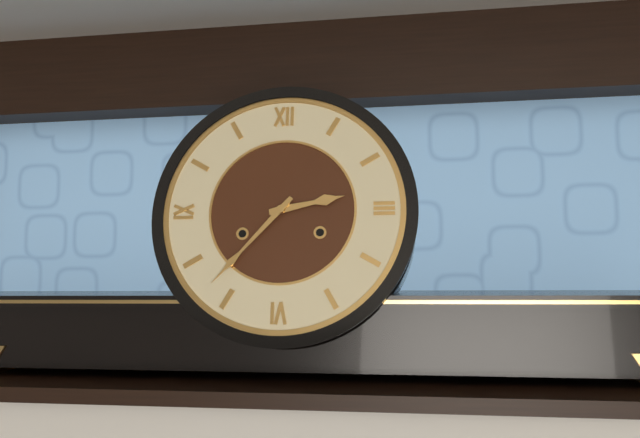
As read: 2h37
